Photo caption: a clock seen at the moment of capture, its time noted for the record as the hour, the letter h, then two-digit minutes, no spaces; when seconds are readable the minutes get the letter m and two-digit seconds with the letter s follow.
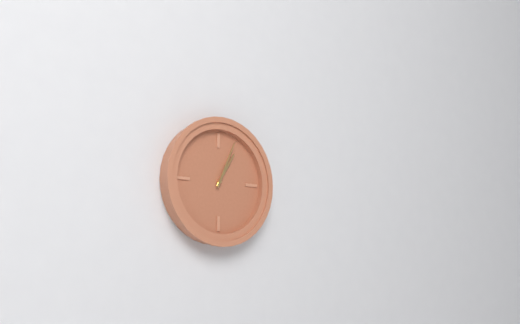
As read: 1h04
